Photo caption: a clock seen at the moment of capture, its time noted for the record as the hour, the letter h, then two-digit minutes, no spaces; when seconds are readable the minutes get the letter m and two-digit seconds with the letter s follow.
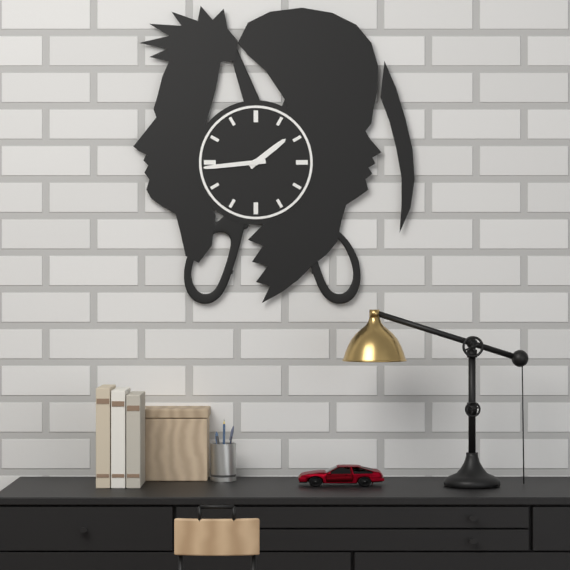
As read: 1h44
